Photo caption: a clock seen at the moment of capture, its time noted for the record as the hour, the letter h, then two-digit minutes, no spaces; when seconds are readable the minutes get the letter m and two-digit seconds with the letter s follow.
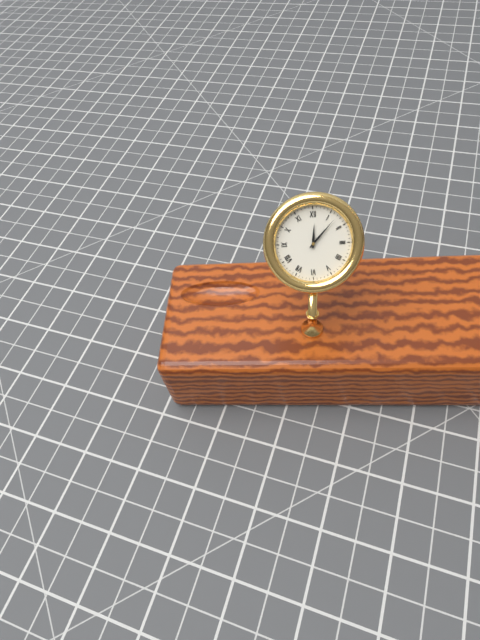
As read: 12h07
